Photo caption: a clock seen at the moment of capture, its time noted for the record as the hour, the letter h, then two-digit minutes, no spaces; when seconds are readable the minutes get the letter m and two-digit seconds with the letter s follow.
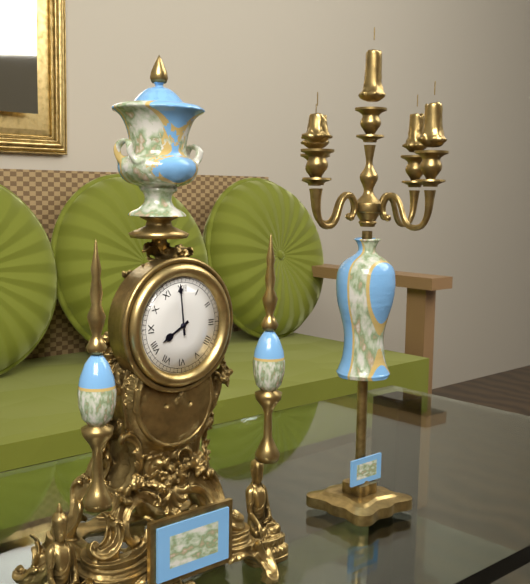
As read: 7h59
